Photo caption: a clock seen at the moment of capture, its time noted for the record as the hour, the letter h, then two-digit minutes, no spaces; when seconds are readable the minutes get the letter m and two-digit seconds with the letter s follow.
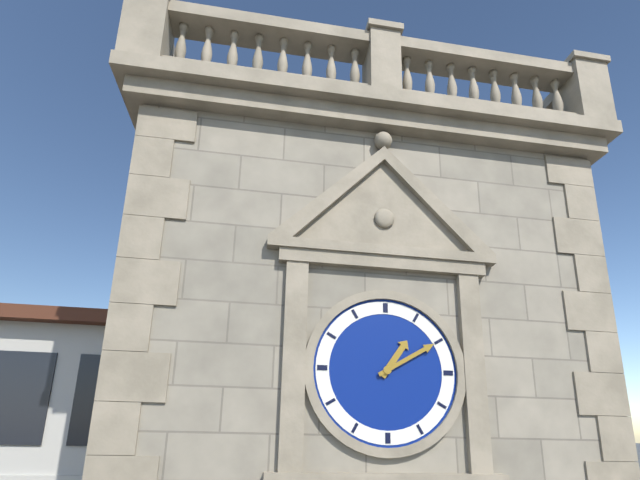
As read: 1h10
